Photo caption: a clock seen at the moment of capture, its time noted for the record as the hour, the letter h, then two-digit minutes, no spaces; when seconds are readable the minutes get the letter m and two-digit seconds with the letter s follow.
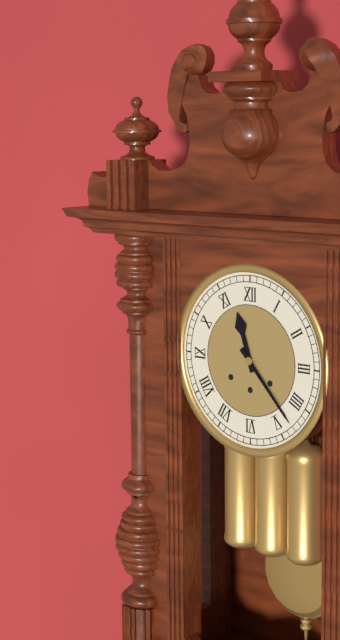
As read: 11h23
